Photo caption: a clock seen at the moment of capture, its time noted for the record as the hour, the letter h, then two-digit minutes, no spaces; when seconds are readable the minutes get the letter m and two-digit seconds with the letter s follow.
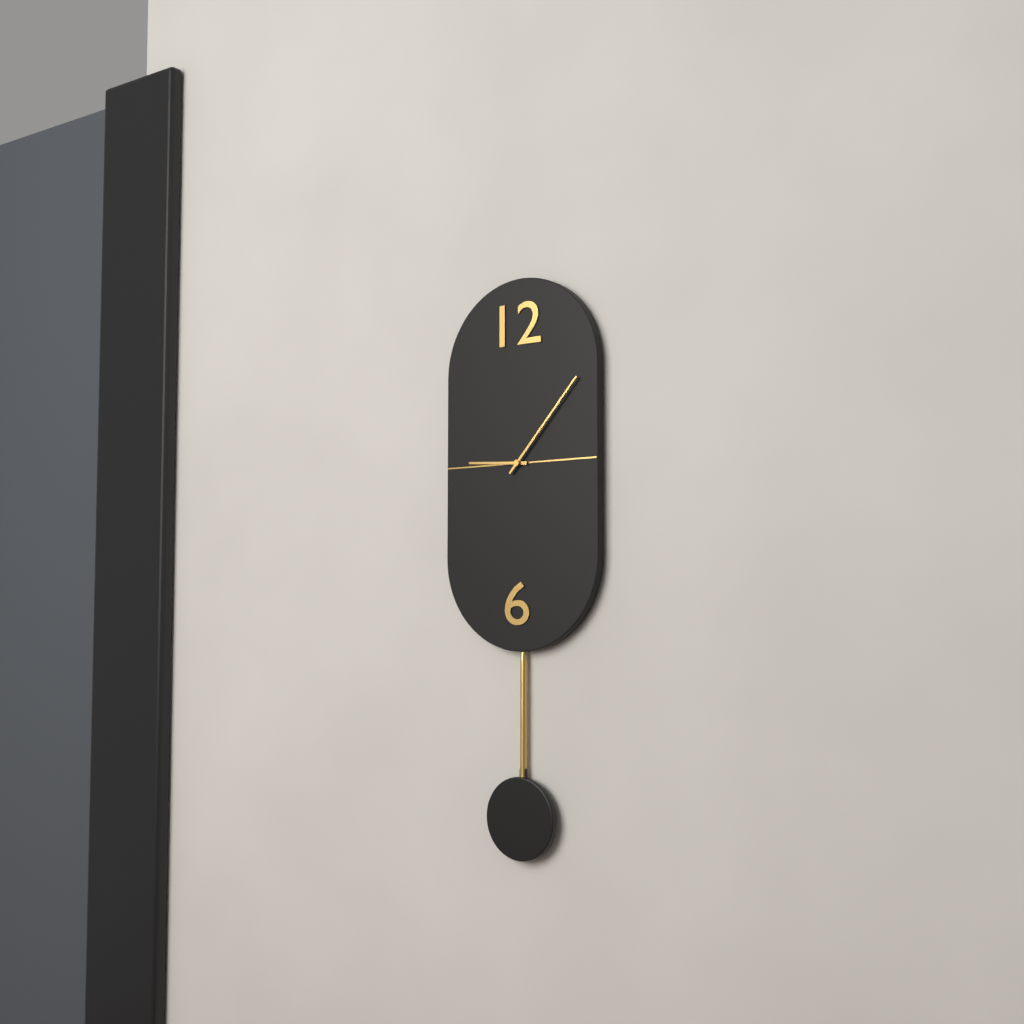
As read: 9h07
